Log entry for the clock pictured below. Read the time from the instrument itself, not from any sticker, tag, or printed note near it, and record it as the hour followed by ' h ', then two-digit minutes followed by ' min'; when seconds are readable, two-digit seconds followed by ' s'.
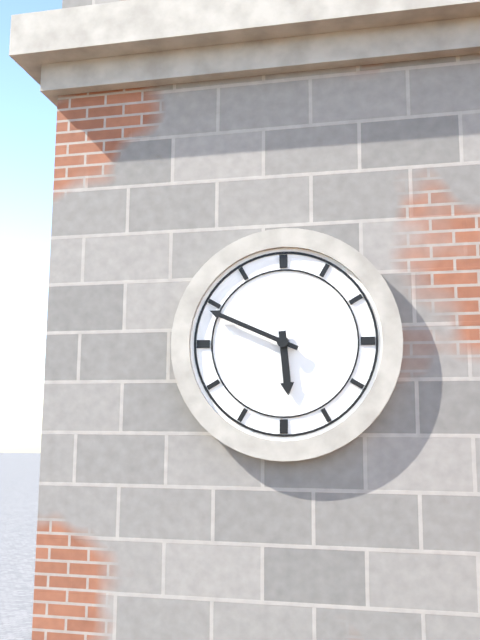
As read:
5 h 49 min
